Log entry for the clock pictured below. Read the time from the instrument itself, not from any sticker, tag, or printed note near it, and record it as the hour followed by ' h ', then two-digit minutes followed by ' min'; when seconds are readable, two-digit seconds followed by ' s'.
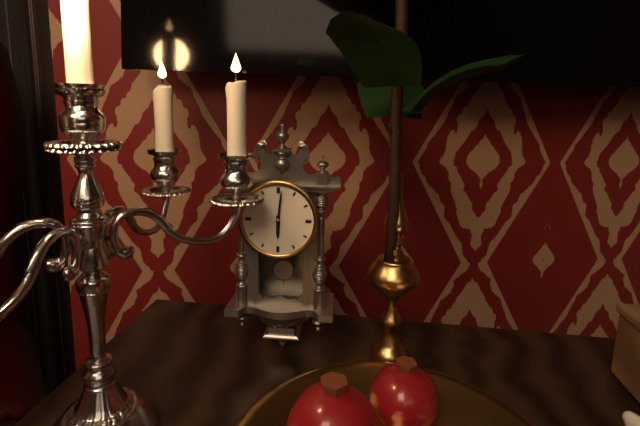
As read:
6 h 01 min
